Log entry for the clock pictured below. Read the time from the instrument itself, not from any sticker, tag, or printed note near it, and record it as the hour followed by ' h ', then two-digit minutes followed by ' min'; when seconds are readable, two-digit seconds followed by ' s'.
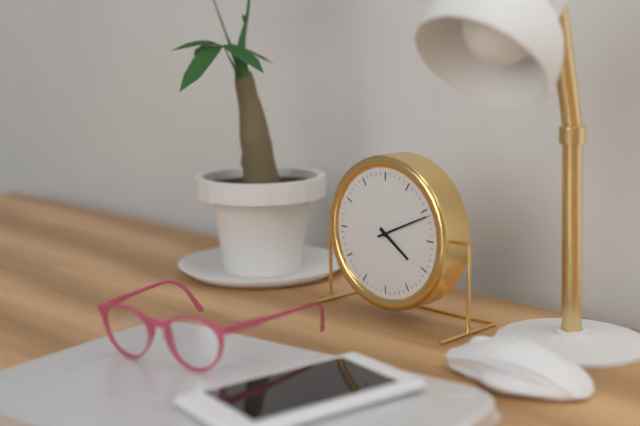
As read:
4 h 11 min
